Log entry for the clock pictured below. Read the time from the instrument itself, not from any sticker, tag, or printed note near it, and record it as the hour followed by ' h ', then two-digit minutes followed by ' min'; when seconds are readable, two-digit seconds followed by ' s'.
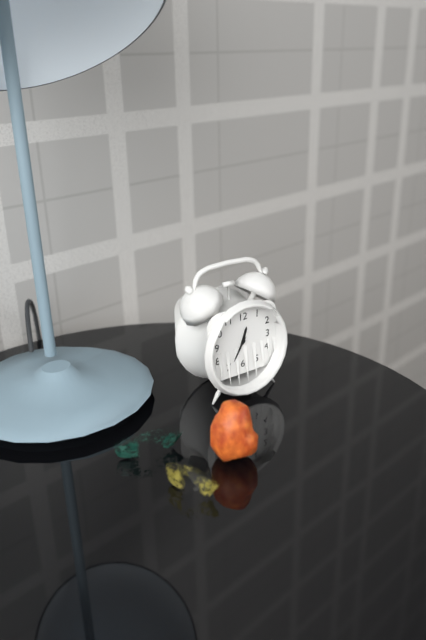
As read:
12 h 35 min
